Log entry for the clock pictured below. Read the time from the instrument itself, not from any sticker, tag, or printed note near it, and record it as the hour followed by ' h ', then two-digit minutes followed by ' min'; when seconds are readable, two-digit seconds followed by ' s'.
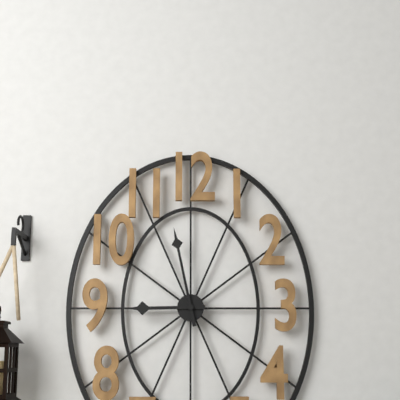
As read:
8 h 58 min
